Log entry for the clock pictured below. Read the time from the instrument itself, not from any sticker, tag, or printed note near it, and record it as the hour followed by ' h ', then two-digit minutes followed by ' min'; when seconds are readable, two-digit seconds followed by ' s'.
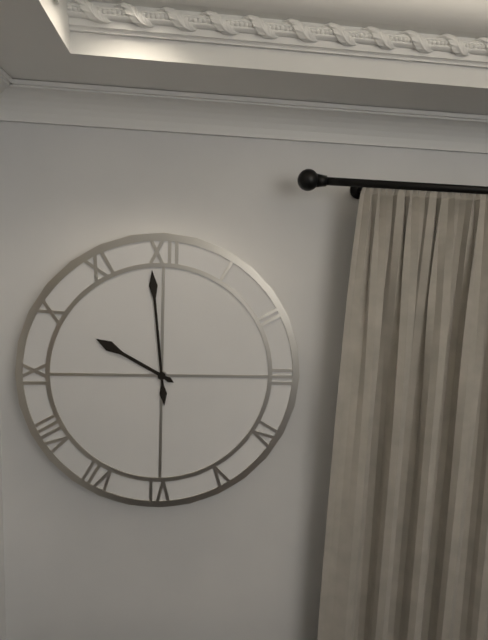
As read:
9 h 59 min
